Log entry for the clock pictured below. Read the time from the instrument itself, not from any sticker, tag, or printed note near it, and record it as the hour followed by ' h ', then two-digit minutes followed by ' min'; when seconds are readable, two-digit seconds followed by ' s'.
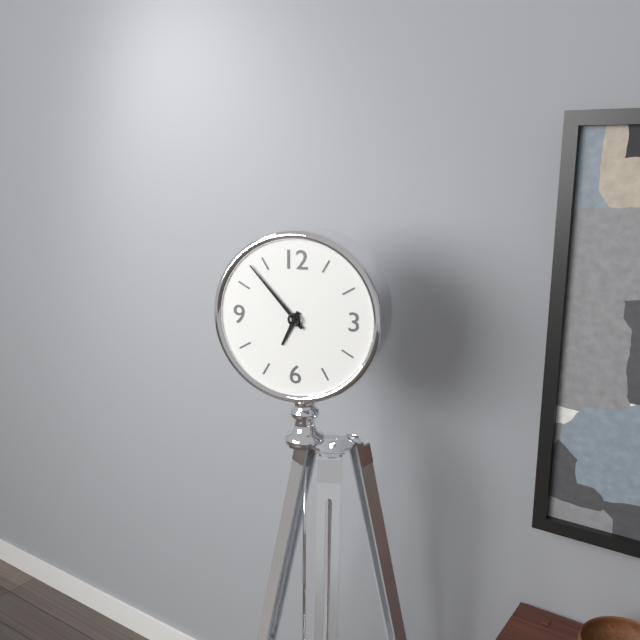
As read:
6 h 53 min
